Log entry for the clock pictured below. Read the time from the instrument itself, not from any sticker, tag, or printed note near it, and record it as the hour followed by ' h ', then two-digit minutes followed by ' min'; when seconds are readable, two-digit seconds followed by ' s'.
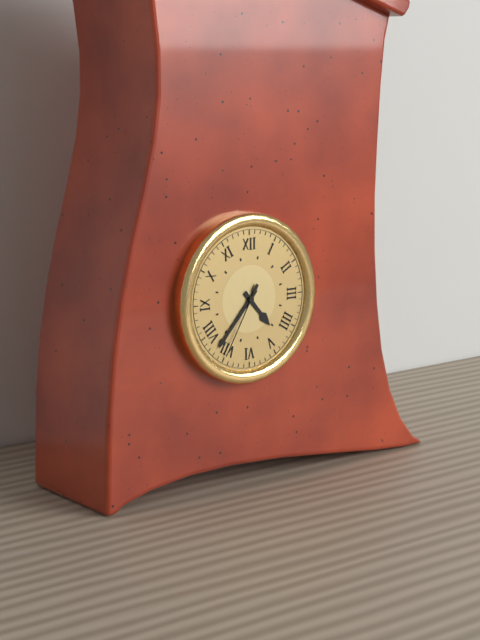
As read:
4 h 37 min 35 s
